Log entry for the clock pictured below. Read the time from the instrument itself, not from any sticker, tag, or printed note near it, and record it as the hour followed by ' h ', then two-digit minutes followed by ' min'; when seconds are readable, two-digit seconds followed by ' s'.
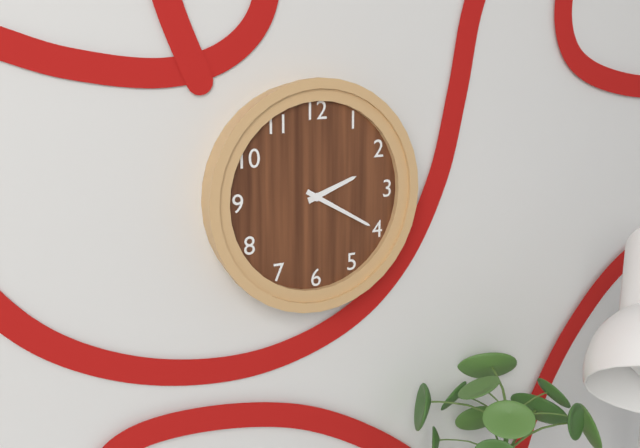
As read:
2 h 20 min
